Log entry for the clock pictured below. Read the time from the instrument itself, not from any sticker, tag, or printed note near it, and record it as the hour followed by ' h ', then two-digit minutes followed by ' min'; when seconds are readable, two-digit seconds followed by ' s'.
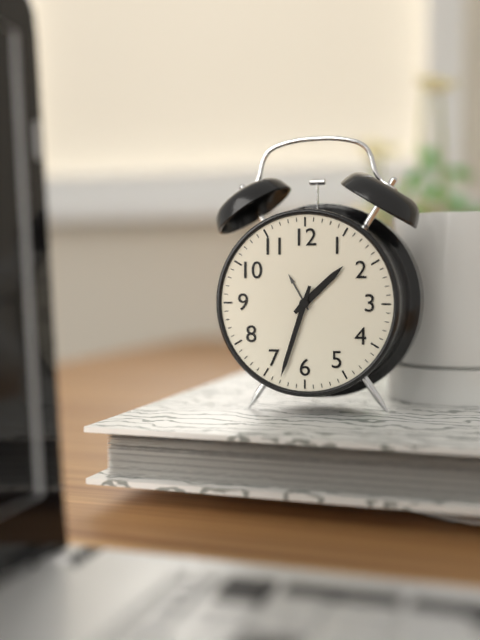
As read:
1 h 33 min
